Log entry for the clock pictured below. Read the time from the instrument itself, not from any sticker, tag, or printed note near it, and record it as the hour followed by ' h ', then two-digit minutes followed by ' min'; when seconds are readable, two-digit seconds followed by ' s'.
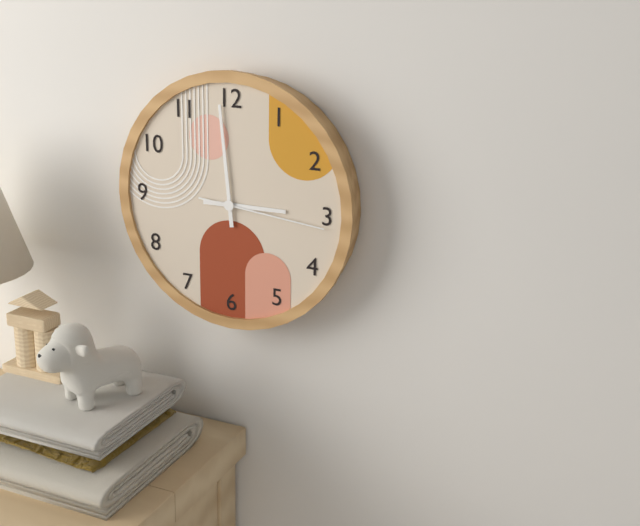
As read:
2 h 59 min 16 s
